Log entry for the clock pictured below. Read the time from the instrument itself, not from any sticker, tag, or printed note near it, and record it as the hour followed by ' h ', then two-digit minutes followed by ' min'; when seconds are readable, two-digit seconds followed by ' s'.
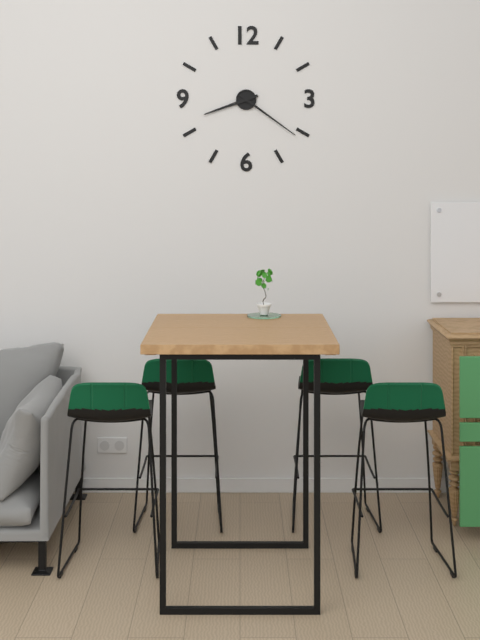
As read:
8 h 21 min
